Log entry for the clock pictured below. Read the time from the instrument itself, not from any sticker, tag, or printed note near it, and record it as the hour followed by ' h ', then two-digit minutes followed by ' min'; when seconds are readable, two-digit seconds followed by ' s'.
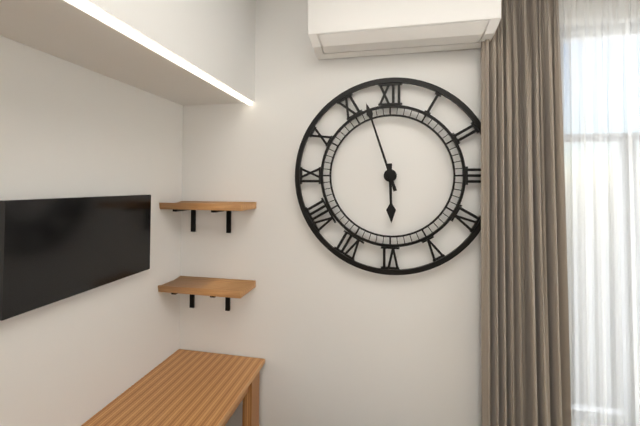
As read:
5 h 57 min
